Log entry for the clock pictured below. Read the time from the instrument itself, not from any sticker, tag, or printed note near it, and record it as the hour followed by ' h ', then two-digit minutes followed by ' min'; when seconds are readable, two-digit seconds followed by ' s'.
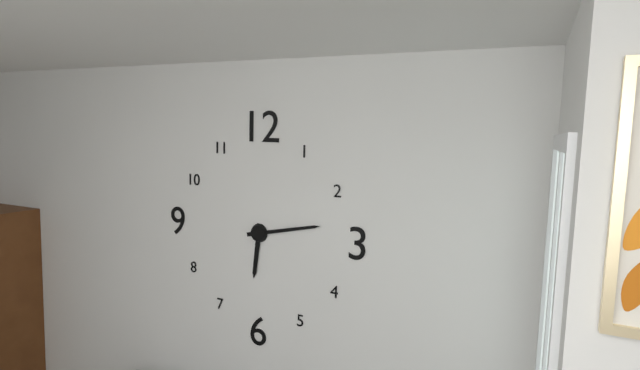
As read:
6 h 13 min
